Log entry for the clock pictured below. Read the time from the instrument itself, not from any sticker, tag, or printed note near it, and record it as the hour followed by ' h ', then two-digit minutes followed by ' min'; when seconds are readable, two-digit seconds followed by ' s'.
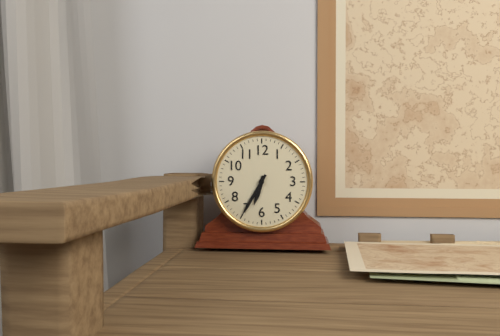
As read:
6 h 35 min
